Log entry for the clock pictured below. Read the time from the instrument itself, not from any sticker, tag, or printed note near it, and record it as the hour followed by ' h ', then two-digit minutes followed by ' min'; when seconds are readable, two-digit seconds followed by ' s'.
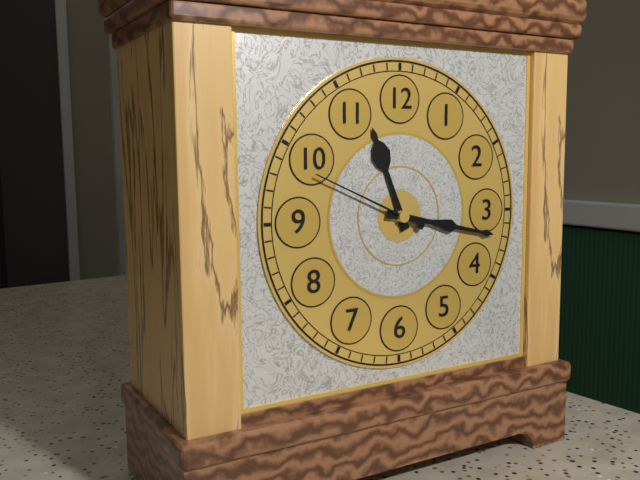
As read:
11 h 17 min 49 s
